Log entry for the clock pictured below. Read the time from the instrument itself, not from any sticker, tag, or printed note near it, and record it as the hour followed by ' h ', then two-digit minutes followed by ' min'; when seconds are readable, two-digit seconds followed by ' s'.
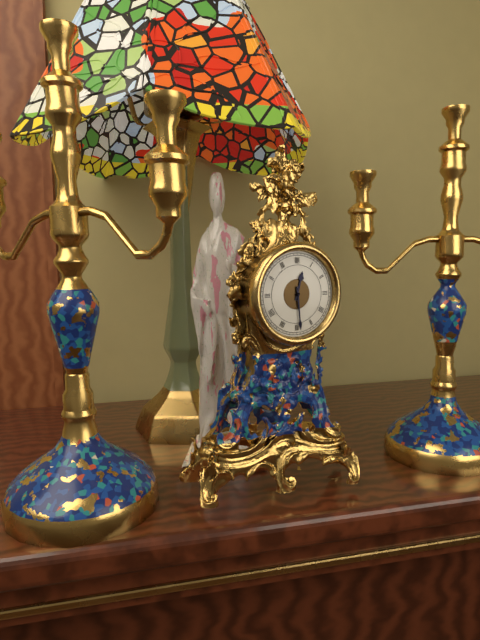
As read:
12 h 29 min
